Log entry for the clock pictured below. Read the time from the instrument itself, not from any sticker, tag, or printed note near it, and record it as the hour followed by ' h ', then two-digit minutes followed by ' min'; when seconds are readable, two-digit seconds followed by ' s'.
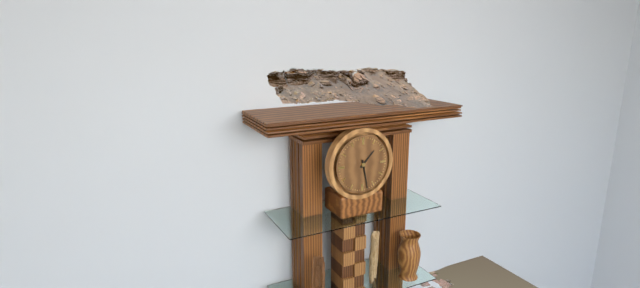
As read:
1 h 28 min
